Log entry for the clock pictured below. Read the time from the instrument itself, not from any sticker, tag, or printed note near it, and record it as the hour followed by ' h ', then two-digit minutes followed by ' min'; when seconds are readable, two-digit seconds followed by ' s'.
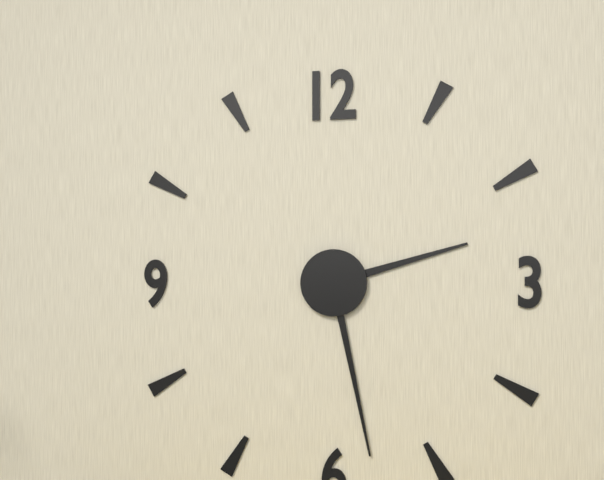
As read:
2 h 28 min
